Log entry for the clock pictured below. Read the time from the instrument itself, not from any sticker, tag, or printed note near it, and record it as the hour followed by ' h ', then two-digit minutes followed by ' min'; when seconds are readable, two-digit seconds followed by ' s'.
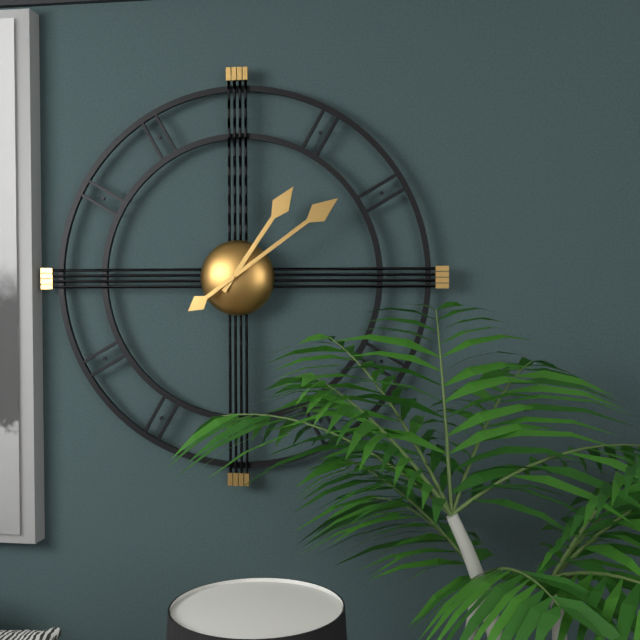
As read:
1 h 09 min
